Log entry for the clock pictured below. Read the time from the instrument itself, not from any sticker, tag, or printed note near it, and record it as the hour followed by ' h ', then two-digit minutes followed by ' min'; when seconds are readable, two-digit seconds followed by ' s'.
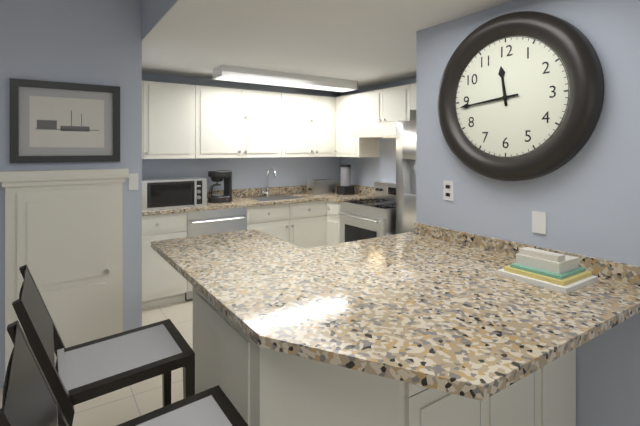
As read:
11 h 44 min
